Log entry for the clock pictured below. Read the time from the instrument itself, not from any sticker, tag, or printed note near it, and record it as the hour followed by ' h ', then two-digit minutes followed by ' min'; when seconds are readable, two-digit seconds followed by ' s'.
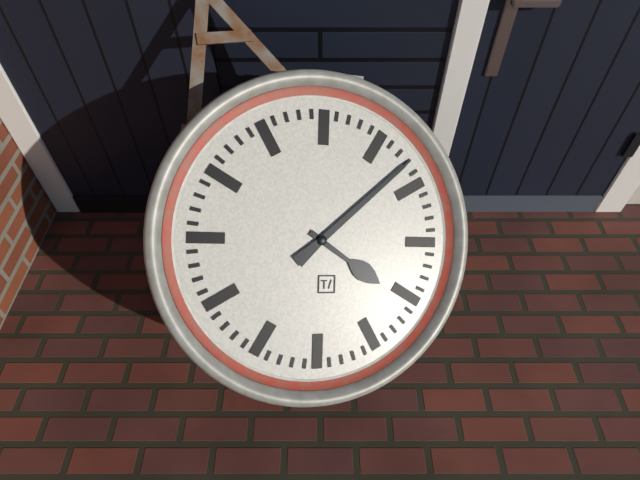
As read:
4 h 08 min
